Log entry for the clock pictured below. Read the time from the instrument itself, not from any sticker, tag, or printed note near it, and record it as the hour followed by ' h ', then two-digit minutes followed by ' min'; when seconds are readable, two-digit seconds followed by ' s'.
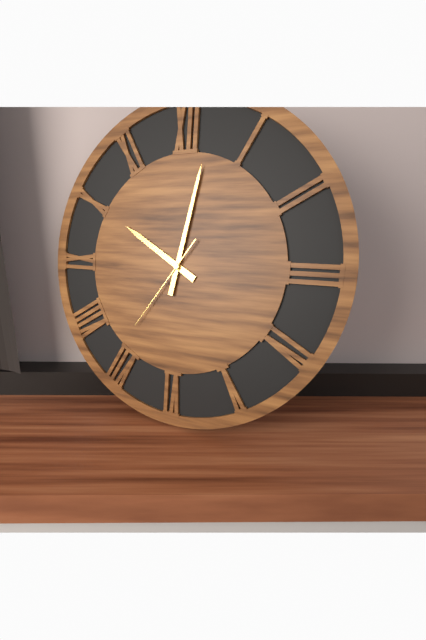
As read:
10 h 02 min 36 s
